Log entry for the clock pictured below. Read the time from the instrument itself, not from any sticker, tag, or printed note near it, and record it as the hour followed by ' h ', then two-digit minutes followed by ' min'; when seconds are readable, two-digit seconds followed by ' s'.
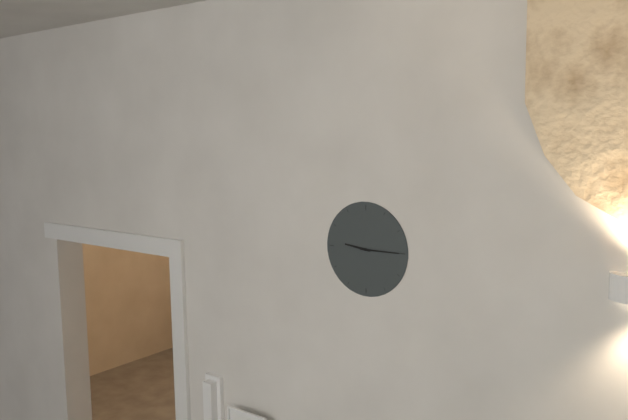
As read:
9 h 15 min
